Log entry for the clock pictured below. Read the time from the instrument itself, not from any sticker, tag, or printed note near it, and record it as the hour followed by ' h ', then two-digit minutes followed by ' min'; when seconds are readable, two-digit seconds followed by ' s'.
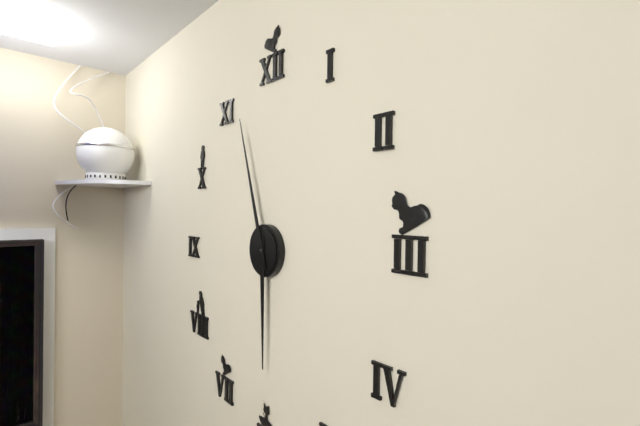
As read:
5 h 57 min
